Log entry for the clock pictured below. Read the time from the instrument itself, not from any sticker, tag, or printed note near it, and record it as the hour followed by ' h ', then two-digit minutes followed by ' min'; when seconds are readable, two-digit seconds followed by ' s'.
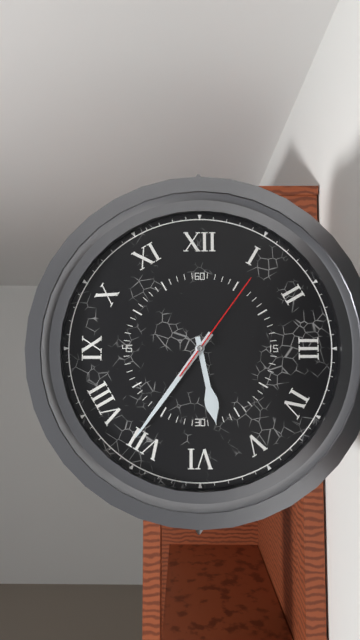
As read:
5 h 36 min 06 s
